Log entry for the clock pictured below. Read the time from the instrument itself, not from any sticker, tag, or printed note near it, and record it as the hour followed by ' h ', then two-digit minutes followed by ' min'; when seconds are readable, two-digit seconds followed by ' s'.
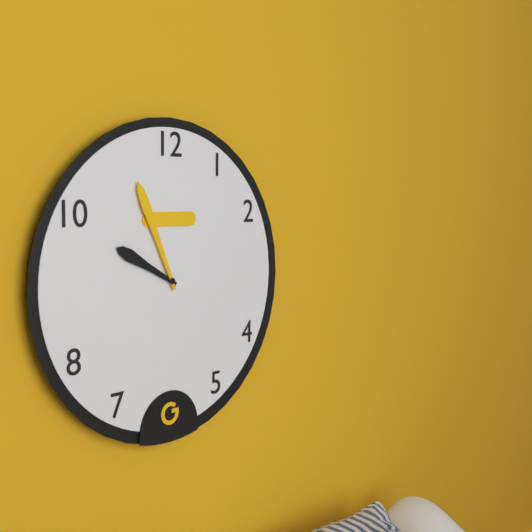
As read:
9 h 56 min
